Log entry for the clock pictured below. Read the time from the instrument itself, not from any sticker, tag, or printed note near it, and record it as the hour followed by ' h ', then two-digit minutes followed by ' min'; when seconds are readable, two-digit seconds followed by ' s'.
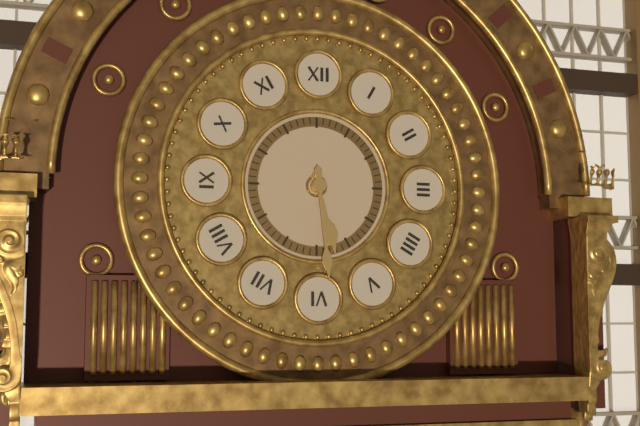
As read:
5 h 29 min
